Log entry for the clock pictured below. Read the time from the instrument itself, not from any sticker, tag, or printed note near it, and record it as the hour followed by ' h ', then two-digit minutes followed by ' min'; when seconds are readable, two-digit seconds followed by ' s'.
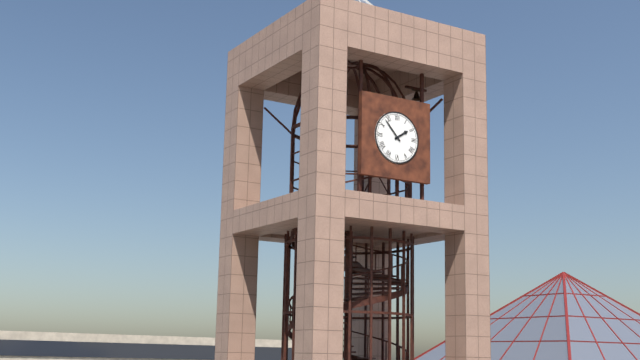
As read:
1 h 53 min
